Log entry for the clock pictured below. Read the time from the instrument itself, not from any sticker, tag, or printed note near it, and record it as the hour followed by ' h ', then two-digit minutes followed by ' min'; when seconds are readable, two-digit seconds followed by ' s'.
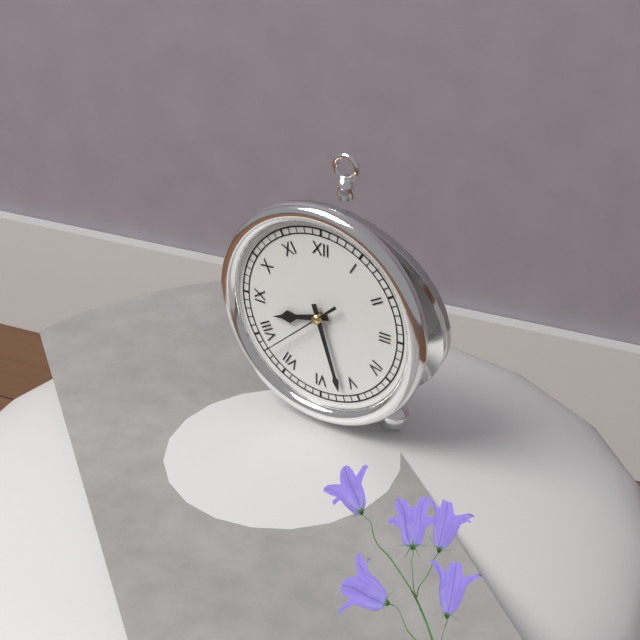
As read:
8 h 27 min 38 s
